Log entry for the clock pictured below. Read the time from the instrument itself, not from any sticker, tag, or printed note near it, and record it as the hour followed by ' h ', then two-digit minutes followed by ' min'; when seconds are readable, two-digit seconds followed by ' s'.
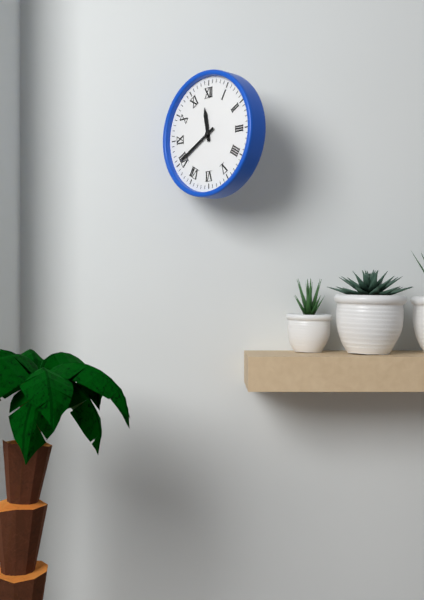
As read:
11 h 40 min
